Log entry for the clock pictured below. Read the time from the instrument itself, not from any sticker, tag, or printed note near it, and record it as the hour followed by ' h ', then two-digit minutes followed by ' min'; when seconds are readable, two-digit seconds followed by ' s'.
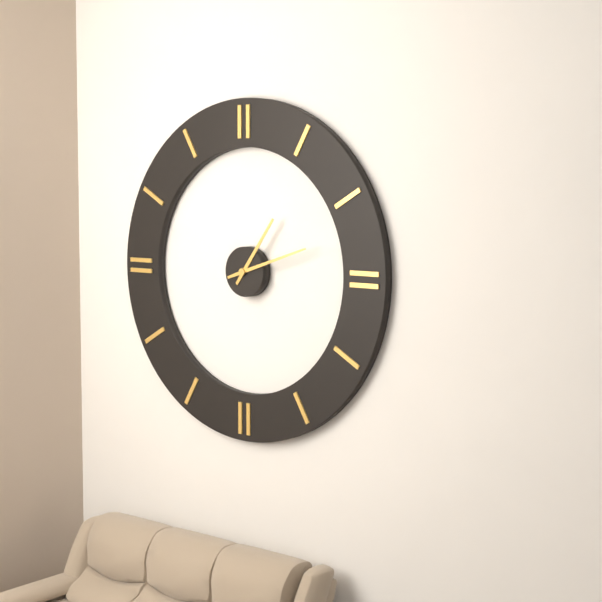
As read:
1 h 12 min
